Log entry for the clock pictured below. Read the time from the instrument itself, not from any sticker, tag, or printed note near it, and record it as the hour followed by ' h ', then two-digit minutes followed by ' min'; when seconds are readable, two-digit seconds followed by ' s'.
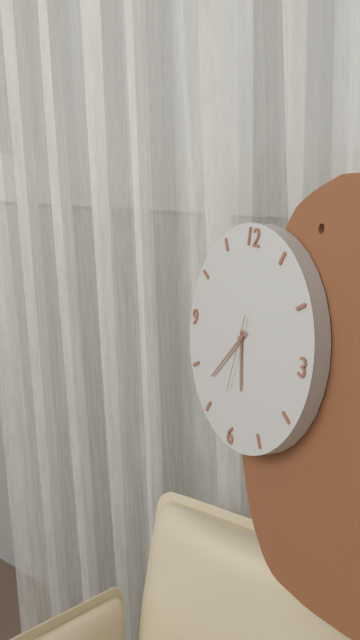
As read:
5 h 37 min 32 s
